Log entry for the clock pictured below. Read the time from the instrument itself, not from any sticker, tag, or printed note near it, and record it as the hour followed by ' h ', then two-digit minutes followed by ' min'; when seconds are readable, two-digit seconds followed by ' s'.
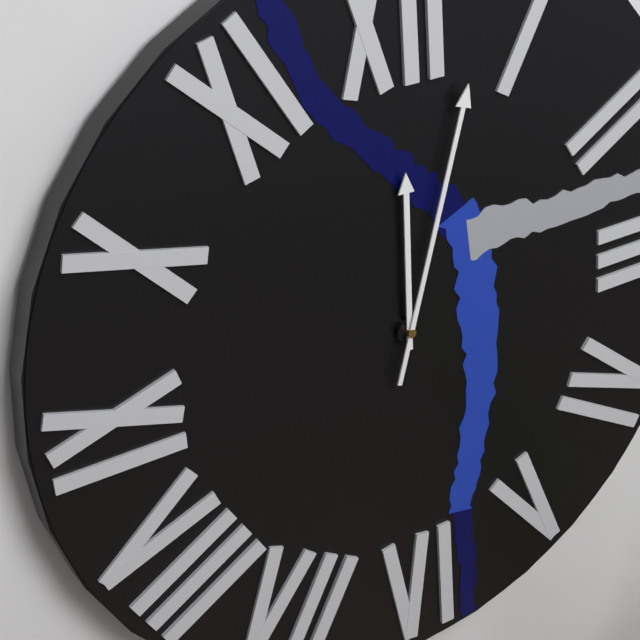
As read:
12 h 03 min
